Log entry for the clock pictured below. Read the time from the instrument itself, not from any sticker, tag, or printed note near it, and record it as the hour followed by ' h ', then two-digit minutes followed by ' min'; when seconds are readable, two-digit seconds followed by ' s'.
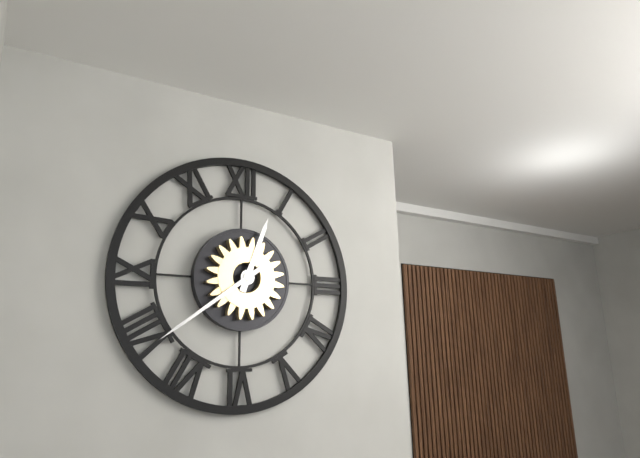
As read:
12 h 39 min
